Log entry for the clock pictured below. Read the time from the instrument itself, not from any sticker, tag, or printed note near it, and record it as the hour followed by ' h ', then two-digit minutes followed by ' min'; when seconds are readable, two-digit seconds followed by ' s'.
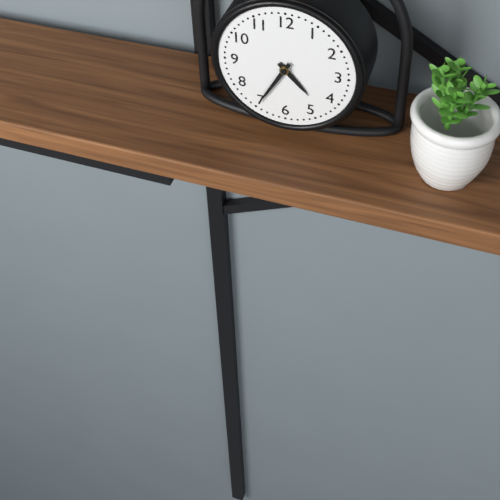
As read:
4 h 35 min
